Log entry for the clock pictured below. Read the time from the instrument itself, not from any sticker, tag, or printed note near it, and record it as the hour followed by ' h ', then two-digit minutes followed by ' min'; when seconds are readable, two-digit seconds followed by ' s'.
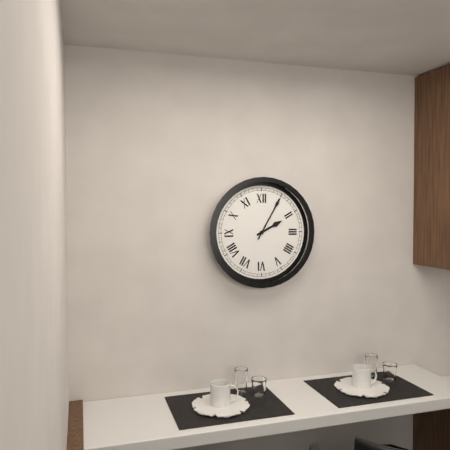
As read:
2 h 05 min
